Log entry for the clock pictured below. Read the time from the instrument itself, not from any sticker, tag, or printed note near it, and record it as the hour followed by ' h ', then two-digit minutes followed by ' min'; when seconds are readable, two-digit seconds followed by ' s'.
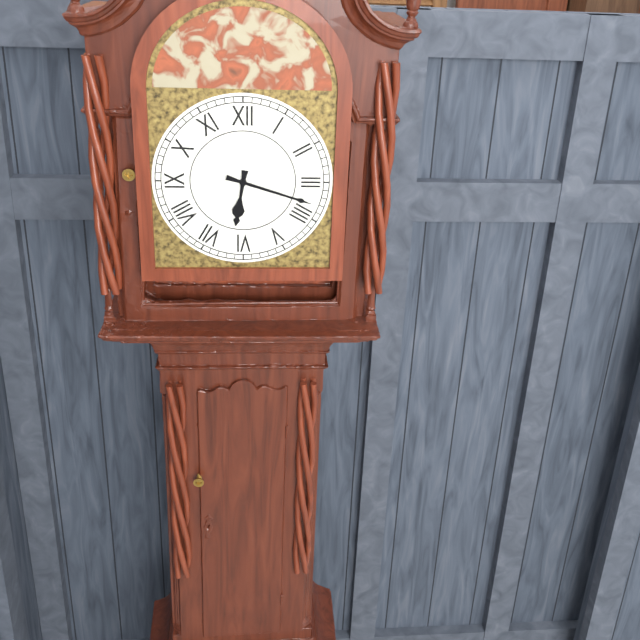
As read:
6 h 18 min
